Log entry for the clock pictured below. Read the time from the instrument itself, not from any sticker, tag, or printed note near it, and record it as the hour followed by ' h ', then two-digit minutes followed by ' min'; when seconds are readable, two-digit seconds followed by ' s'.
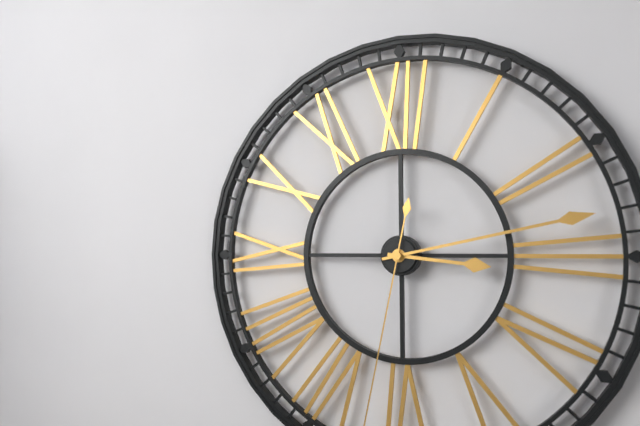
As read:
3 h 13 min
